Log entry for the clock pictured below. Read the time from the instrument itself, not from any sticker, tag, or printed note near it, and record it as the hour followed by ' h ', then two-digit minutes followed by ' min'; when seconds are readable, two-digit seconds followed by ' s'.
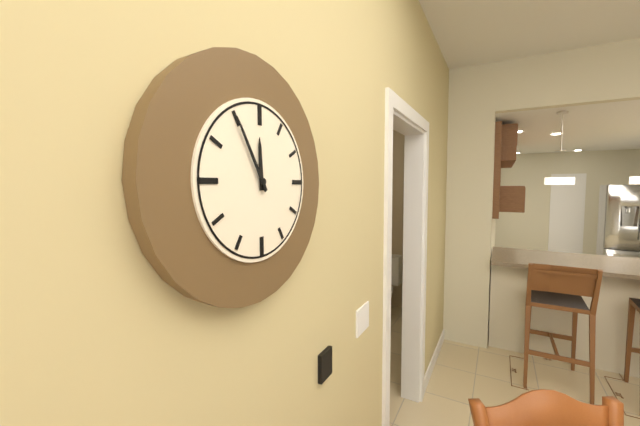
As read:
11 h 55 min
